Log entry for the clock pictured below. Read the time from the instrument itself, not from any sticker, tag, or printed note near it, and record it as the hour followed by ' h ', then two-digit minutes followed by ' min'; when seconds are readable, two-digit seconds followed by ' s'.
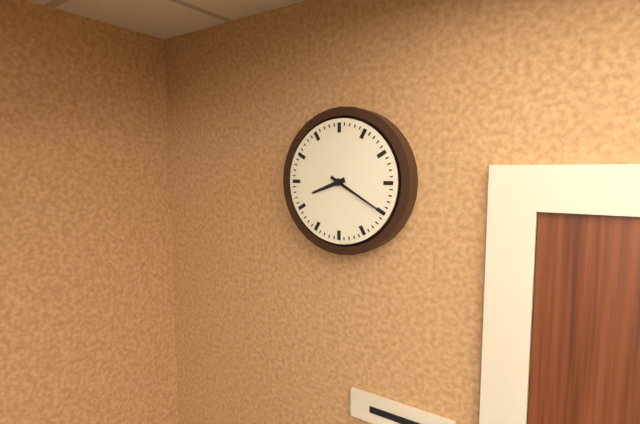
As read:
8 h 20 min
